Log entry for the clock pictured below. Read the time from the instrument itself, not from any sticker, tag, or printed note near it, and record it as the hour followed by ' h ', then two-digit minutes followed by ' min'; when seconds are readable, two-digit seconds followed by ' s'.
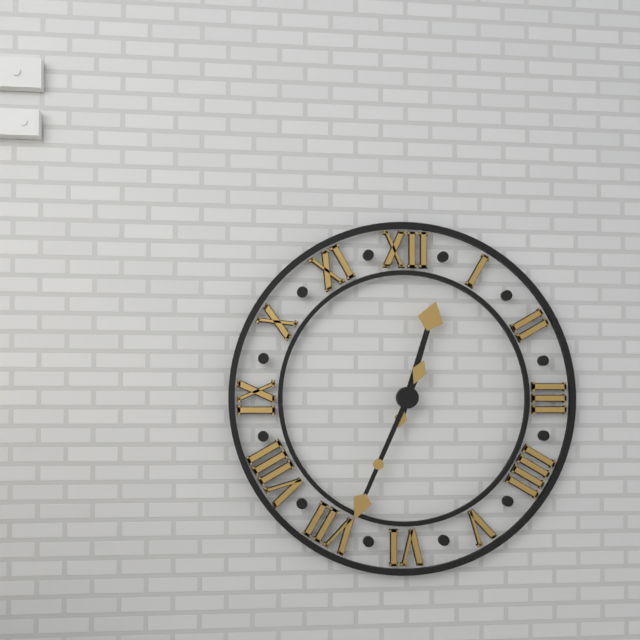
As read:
12 h 34 min
